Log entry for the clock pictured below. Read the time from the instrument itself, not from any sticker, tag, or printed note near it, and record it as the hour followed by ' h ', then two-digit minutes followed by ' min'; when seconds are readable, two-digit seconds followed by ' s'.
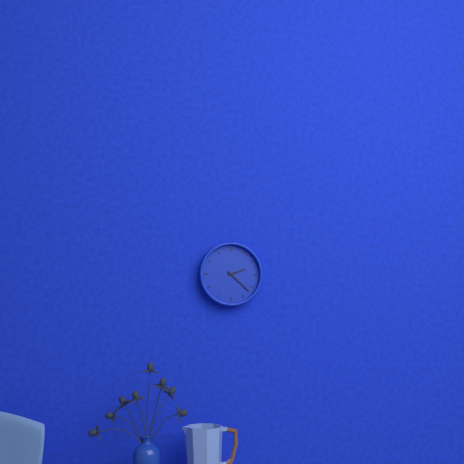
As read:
2 h 22 min
